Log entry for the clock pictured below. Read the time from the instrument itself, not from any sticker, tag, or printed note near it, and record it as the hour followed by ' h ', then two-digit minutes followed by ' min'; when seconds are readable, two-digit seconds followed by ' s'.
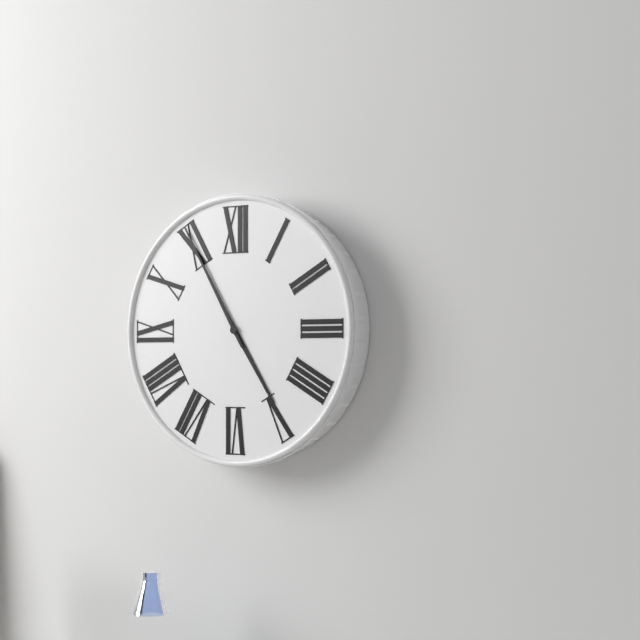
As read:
4 h 55 min
